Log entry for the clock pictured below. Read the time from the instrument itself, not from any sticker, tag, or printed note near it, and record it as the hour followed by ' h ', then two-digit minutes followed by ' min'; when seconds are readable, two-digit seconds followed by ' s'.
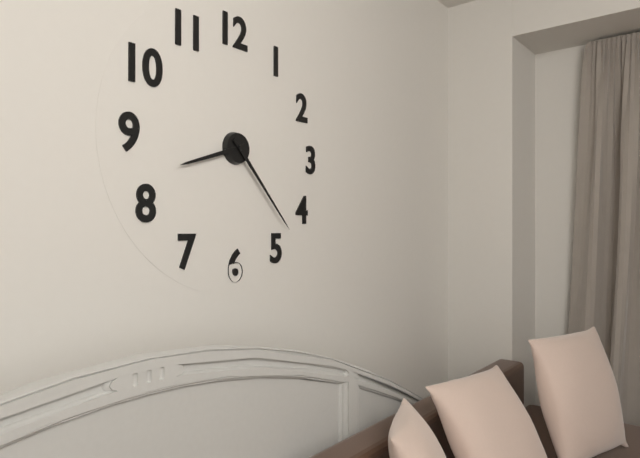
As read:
8 h 23 min
